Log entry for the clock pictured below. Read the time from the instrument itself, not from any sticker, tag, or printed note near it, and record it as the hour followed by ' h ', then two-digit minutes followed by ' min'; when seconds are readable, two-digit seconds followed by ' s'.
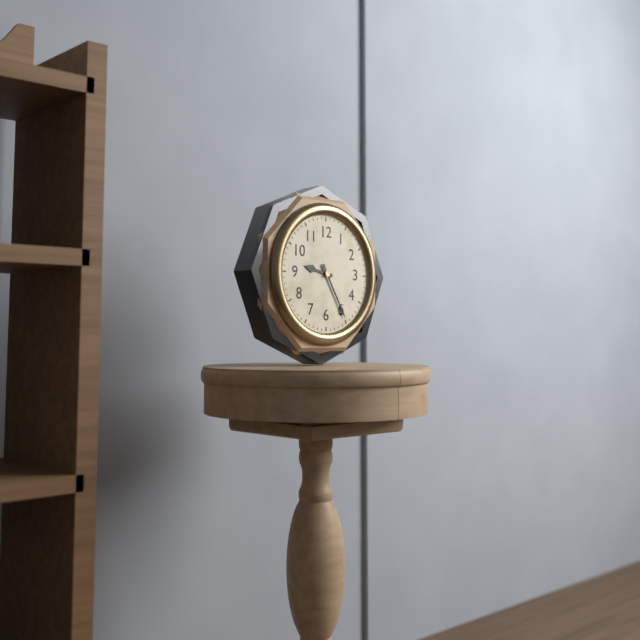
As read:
9 h 25 min
